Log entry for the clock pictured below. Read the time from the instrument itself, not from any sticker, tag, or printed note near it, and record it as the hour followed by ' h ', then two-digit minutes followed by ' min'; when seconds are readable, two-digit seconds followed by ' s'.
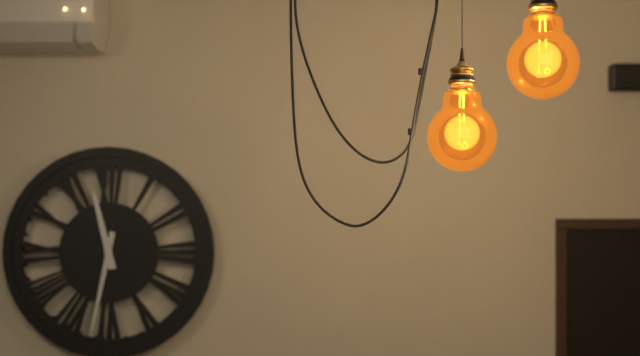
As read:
11 h 32 min
